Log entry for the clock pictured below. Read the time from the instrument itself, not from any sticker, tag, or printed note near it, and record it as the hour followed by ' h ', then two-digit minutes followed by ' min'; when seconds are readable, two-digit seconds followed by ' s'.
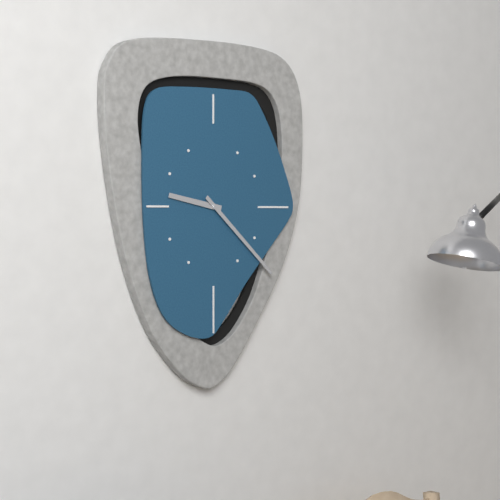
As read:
9 h 22 min
